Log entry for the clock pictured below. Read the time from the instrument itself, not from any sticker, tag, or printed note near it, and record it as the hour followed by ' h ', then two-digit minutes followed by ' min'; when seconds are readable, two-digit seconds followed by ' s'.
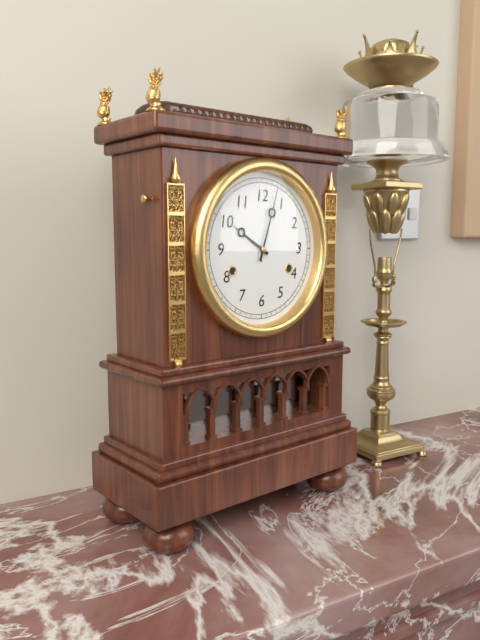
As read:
10 h 03 min
